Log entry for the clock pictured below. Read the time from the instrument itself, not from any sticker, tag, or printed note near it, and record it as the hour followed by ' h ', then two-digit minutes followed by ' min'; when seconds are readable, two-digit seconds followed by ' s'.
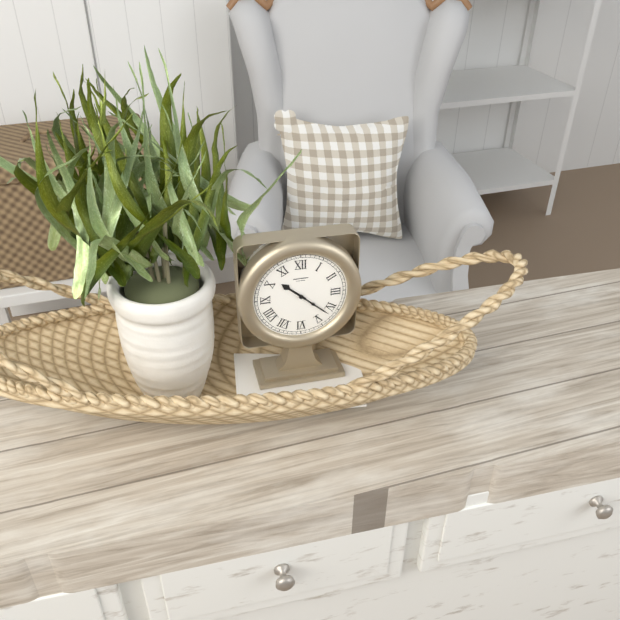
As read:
10 h 22 min
